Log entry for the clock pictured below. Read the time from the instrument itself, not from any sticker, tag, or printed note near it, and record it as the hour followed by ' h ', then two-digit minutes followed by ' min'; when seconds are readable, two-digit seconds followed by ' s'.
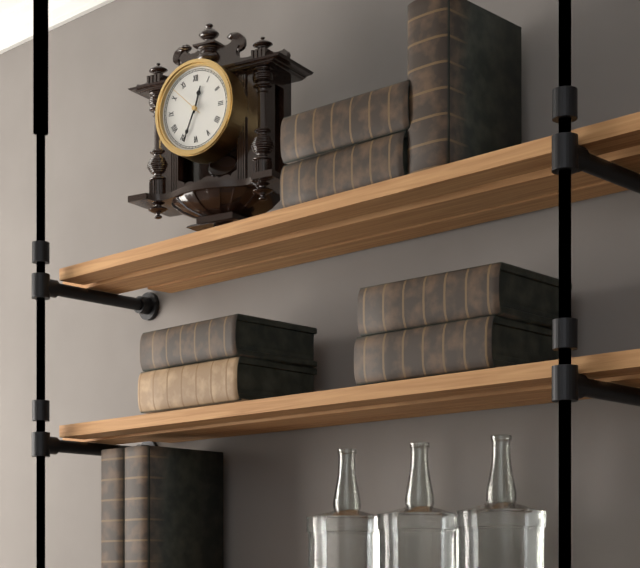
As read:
12 h 34 min
